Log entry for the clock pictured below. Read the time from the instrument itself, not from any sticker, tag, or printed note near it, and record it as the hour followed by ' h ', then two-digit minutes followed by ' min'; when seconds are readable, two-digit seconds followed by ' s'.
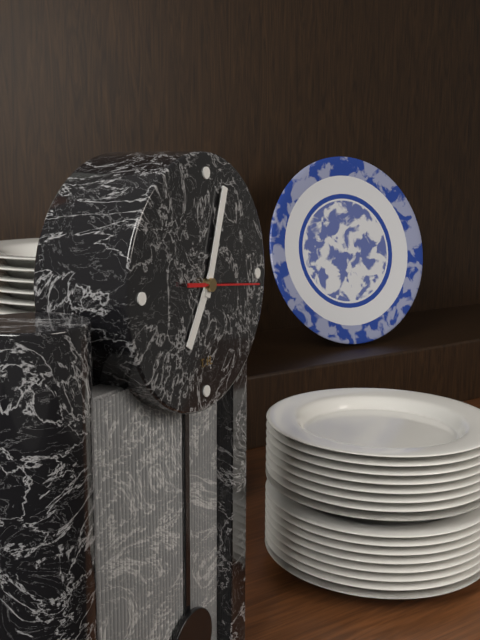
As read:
7 h 03 min 16 s
